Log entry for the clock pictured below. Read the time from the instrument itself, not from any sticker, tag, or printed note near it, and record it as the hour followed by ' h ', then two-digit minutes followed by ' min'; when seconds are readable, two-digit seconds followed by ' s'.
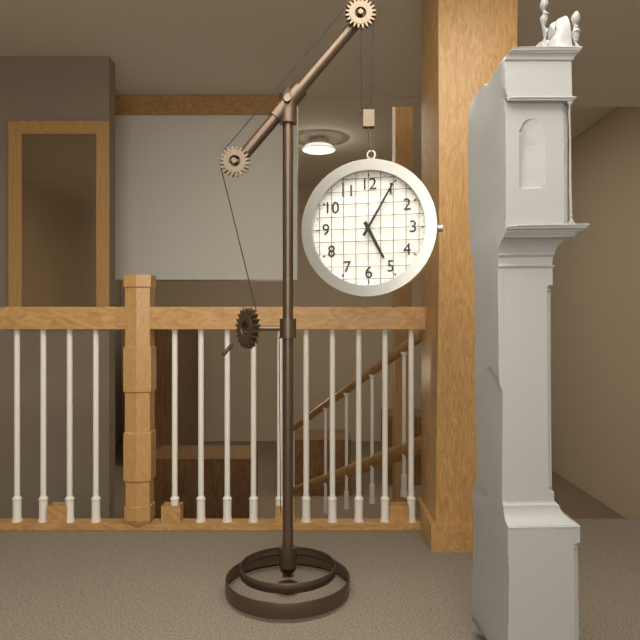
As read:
5 h 05 min
